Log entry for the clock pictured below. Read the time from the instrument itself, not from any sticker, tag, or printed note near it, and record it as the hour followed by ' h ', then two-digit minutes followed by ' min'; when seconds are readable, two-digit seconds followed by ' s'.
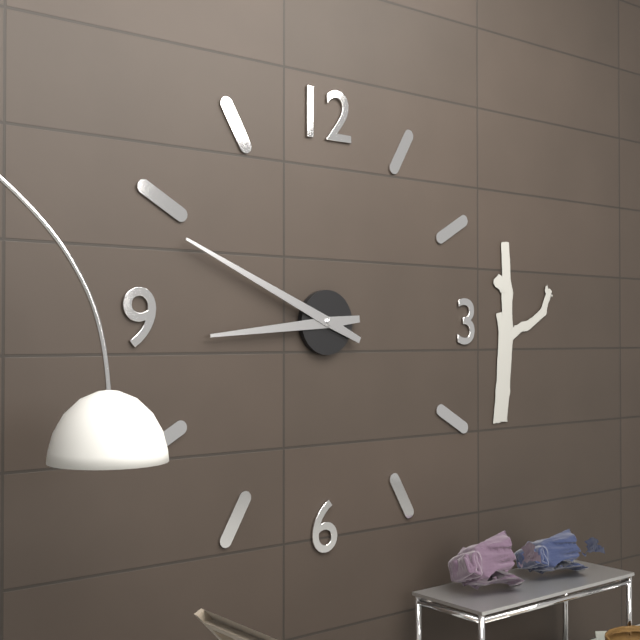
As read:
8 h 49 min
